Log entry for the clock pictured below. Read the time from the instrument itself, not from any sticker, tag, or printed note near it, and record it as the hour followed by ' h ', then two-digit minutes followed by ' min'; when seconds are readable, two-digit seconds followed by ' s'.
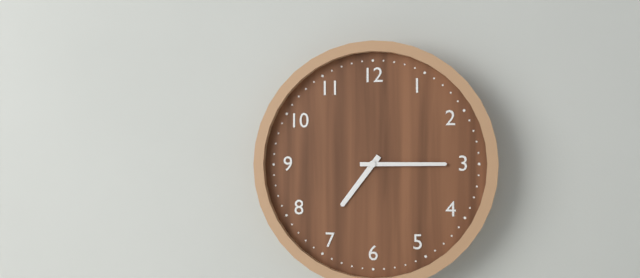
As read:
7 h 15 min
